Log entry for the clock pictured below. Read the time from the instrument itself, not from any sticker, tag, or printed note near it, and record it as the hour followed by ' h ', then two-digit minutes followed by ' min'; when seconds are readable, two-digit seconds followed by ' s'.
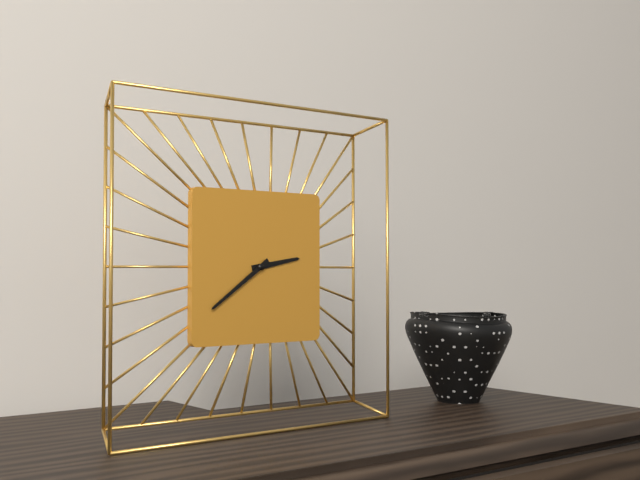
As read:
2 h 39 min
